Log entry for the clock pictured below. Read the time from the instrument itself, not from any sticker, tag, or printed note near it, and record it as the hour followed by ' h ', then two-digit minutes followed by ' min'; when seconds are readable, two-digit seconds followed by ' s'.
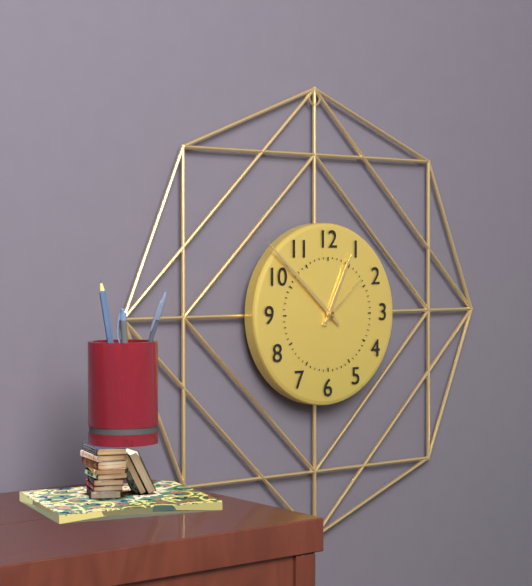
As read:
12 h 52 min 08 s
